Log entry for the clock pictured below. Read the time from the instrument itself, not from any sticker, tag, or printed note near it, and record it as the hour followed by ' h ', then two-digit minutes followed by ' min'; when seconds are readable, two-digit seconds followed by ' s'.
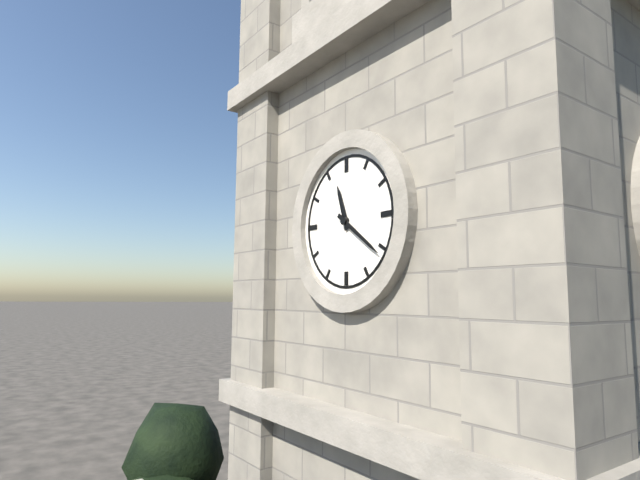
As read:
11 h 21 min
